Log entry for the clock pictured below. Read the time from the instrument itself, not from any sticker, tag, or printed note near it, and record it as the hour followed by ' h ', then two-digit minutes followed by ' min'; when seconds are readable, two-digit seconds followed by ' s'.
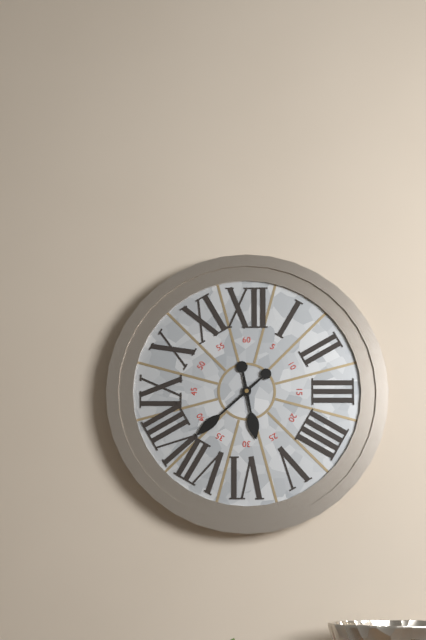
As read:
5 h 38 min
